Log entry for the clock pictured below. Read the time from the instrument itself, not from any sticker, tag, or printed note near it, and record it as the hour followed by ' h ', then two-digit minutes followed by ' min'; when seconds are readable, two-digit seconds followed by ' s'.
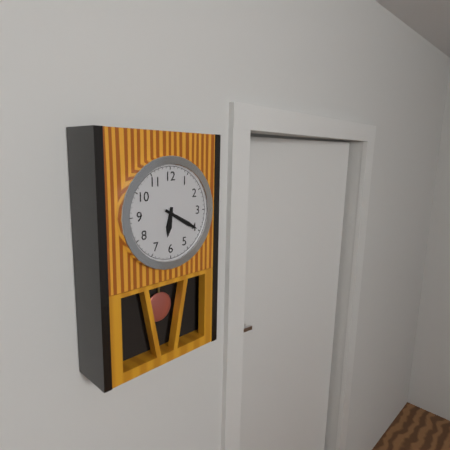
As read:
6 h 20 min
